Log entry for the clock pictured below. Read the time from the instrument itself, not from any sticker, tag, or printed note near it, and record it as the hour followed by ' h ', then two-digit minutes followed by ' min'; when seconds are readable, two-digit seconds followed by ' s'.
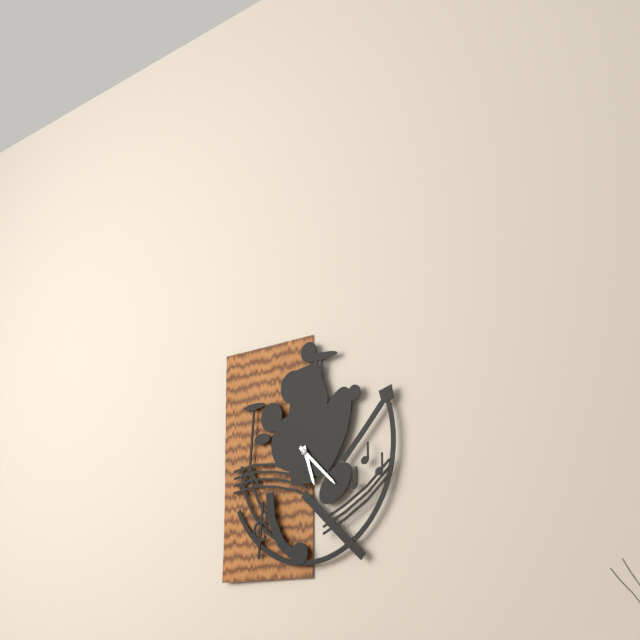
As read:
5 h 22 min
